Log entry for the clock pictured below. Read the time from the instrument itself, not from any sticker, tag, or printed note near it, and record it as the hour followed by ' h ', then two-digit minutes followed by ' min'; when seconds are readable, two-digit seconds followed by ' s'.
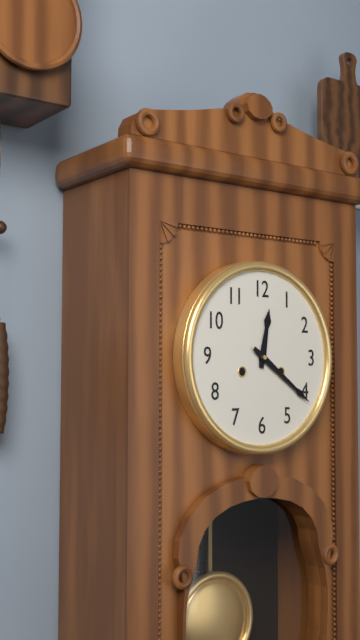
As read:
12 h 21 min
